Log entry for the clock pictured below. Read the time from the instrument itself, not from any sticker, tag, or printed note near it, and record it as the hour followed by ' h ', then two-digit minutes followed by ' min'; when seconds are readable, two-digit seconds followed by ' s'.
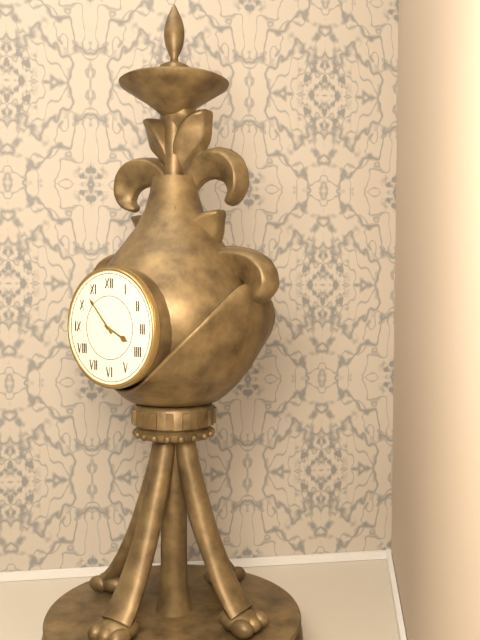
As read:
3 h 53 min
